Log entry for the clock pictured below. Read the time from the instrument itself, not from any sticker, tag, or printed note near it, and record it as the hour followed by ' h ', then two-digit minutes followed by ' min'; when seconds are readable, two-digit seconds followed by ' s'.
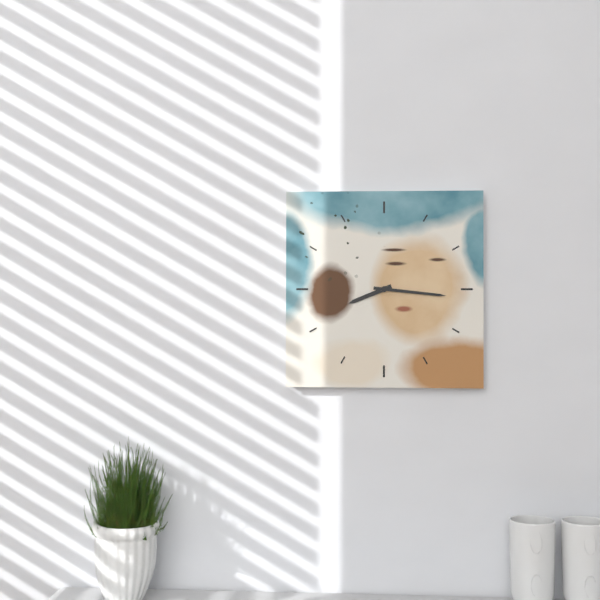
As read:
8 h 16 min
